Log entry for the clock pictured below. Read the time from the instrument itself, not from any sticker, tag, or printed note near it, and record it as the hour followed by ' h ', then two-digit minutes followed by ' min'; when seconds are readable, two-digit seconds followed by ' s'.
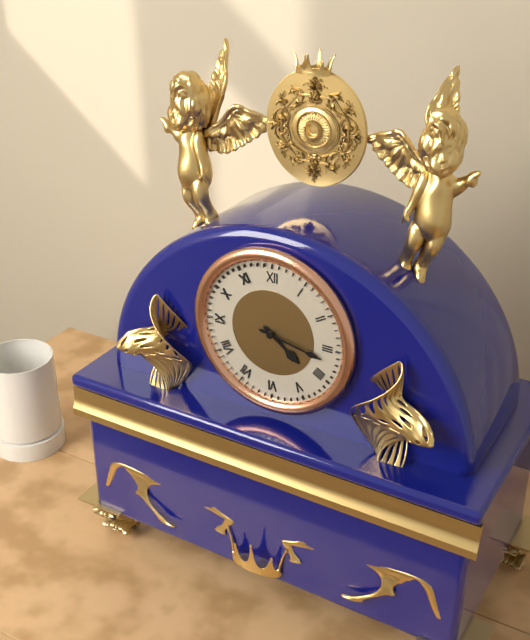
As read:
4 h 17 min
